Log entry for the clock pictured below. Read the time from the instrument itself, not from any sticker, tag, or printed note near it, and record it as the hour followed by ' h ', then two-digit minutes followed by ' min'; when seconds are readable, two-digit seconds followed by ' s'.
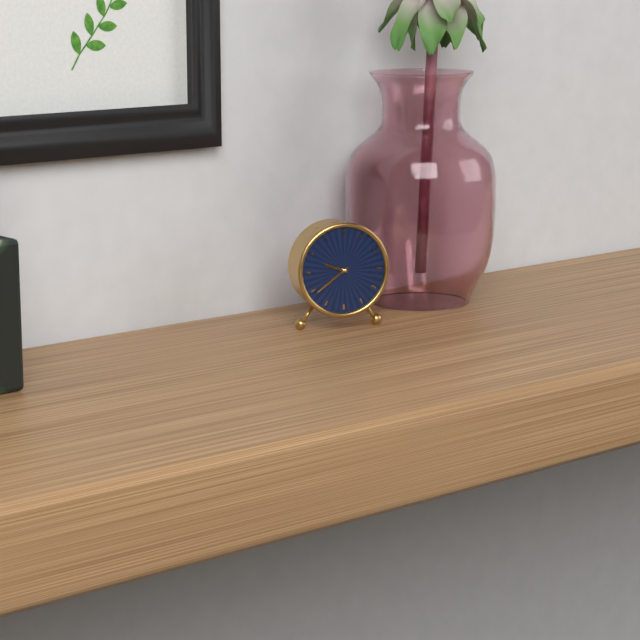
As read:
9 h 39 min
